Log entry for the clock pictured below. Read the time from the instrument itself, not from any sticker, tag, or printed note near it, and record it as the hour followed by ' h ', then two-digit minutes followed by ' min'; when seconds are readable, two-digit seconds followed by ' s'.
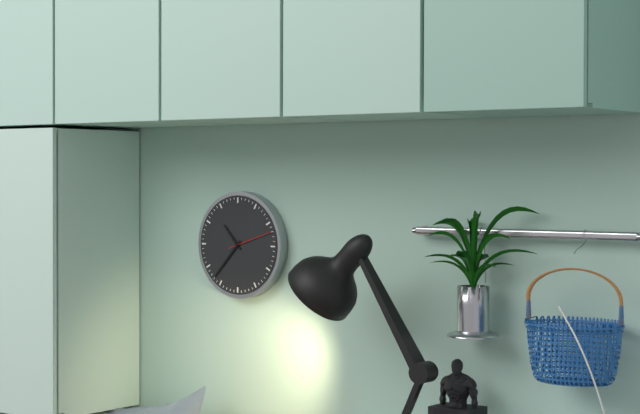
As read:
10 h 37 min
